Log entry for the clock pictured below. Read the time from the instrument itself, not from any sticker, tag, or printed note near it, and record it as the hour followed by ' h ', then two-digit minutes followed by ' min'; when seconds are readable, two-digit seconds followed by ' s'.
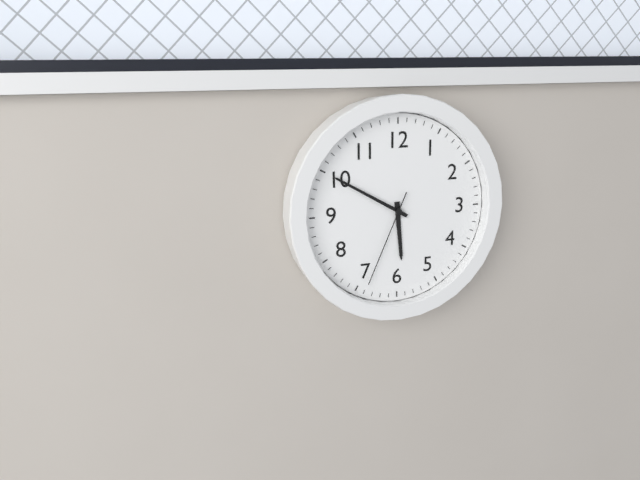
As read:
5 h 50 min 34 s
